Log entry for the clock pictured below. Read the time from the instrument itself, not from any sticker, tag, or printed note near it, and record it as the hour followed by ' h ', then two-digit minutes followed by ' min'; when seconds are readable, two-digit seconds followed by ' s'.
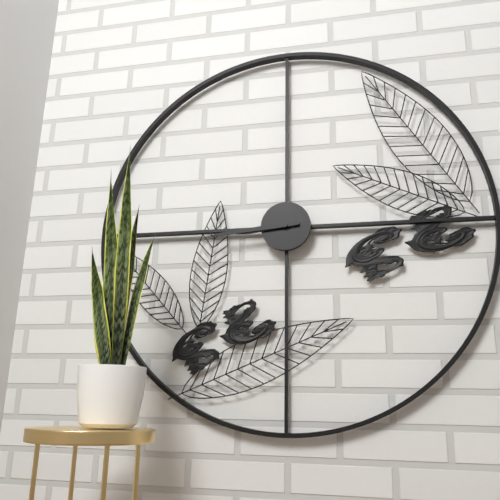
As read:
8 h 44 min
